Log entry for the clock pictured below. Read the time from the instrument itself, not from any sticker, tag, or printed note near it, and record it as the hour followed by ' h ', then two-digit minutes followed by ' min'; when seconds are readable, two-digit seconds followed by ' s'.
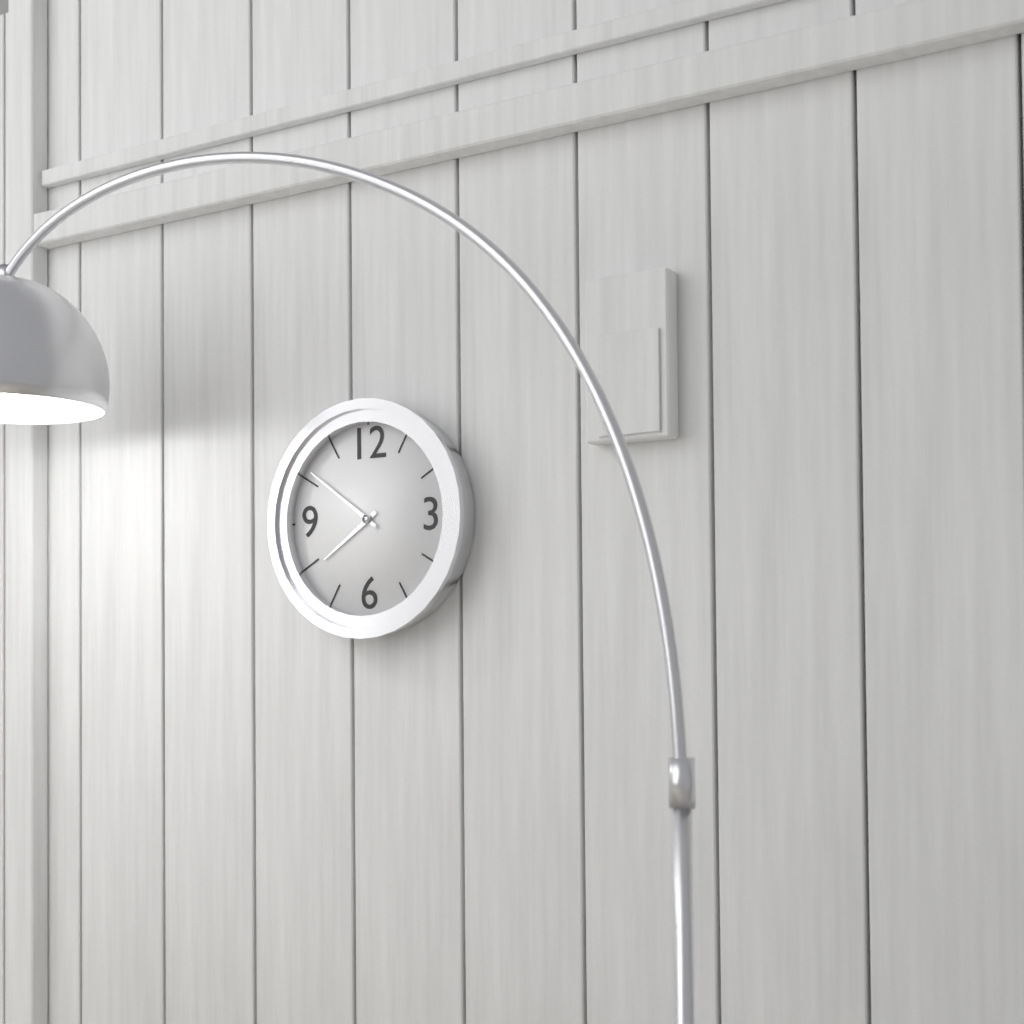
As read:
7 h 51 min
